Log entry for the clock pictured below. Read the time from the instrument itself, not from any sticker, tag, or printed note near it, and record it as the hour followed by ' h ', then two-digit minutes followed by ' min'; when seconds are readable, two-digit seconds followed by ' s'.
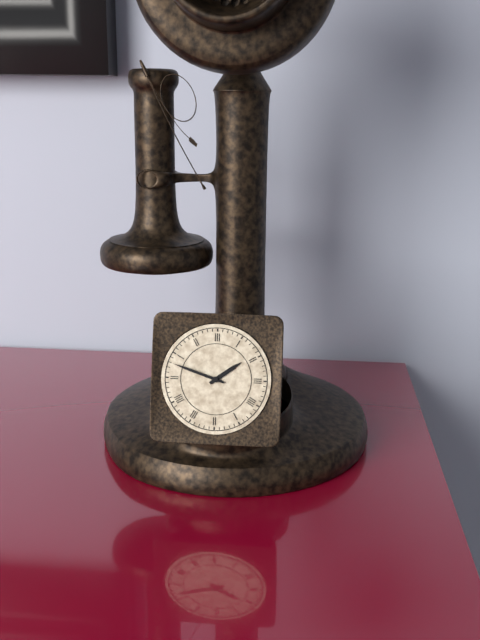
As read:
1 h 48 min
